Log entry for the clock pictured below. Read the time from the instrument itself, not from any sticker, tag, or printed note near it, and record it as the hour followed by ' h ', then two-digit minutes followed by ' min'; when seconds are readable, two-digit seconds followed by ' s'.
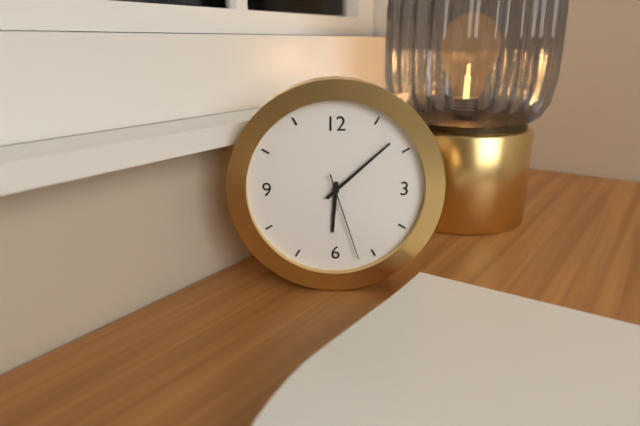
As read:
6 h 08 min 27 s
